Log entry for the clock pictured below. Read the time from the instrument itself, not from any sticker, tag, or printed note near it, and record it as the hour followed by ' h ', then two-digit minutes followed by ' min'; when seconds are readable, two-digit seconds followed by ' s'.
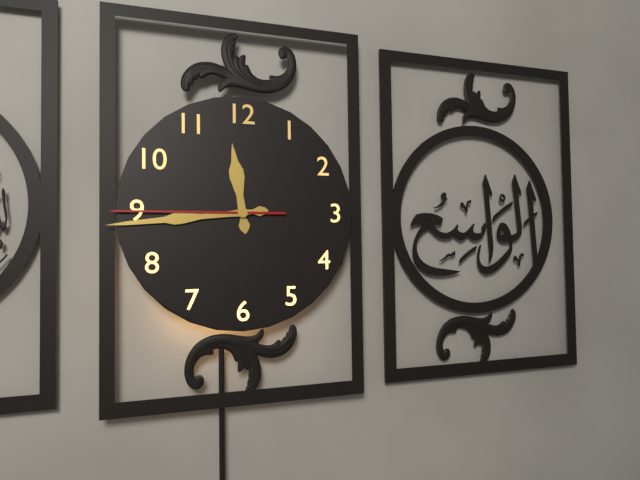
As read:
11 h 44 min 45 s
